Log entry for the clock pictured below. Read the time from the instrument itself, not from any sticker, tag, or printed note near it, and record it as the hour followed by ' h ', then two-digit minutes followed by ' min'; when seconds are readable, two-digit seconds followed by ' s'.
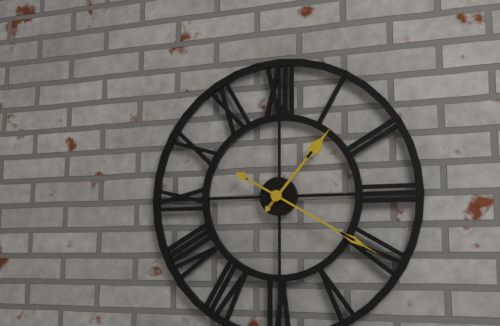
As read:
1 h 20 min
